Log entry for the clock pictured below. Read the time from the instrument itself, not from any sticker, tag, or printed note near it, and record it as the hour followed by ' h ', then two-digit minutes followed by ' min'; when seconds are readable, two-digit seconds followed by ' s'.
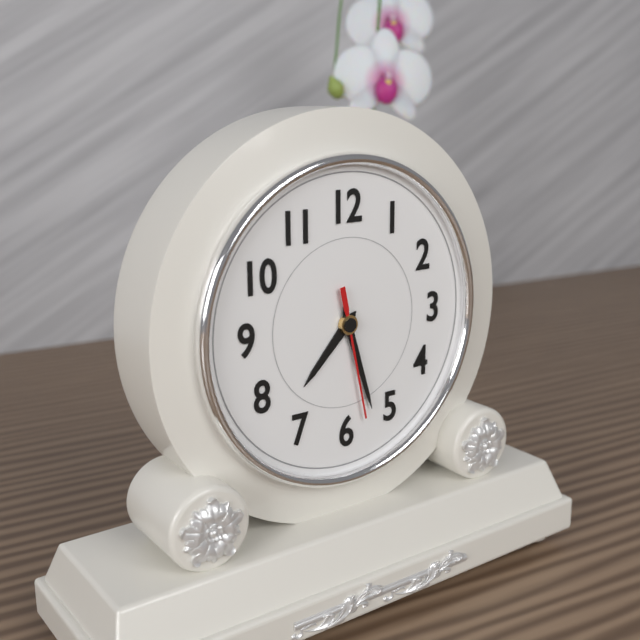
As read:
7 h 27 min 28 s
